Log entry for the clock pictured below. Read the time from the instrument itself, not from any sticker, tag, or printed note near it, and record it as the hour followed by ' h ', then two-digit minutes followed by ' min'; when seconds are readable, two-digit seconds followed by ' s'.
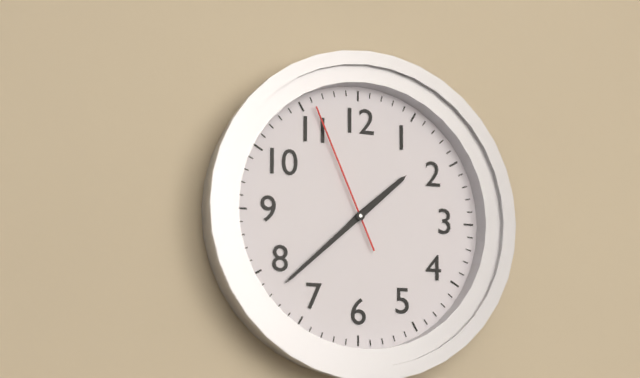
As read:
1 h 38 min 56 s
